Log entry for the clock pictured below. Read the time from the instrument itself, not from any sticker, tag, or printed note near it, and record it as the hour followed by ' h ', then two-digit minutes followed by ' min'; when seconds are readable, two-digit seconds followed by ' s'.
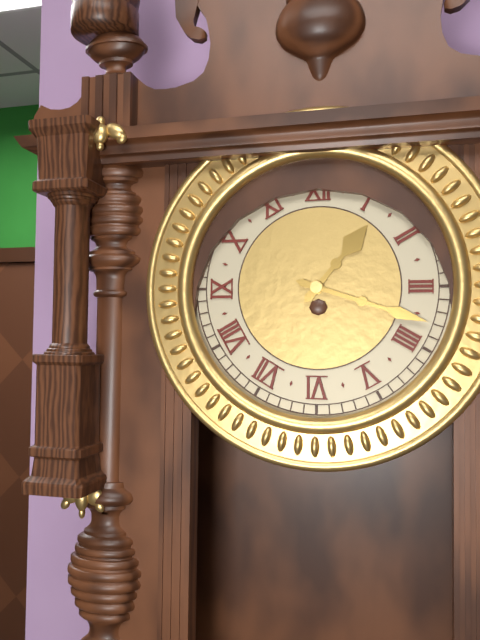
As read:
1 h 18 min
